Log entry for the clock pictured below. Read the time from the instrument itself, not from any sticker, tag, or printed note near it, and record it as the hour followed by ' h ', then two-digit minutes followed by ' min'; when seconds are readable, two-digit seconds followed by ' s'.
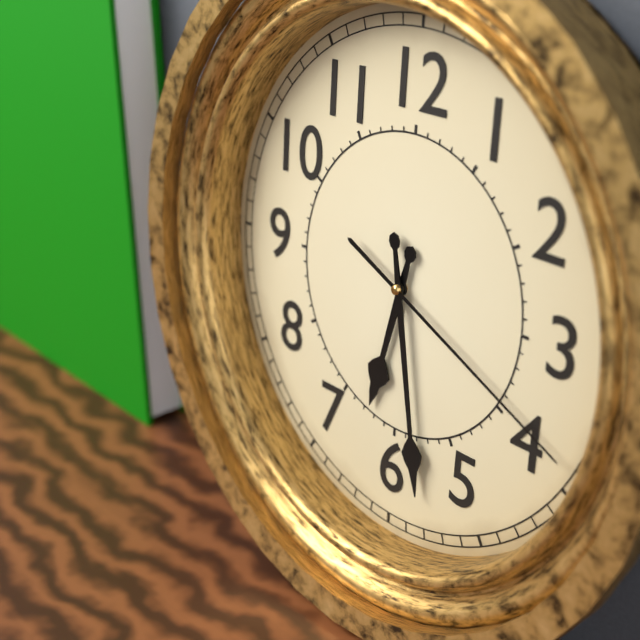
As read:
6 h 28 min 19 s
